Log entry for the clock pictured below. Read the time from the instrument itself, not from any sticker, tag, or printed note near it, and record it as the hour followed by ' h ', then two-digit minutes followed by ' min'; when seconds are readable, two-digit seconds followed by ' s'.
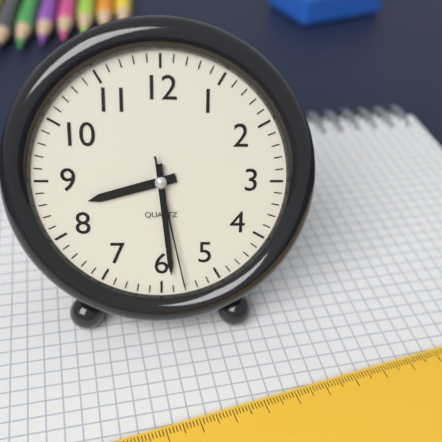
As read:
8 h 29 min 28 s
